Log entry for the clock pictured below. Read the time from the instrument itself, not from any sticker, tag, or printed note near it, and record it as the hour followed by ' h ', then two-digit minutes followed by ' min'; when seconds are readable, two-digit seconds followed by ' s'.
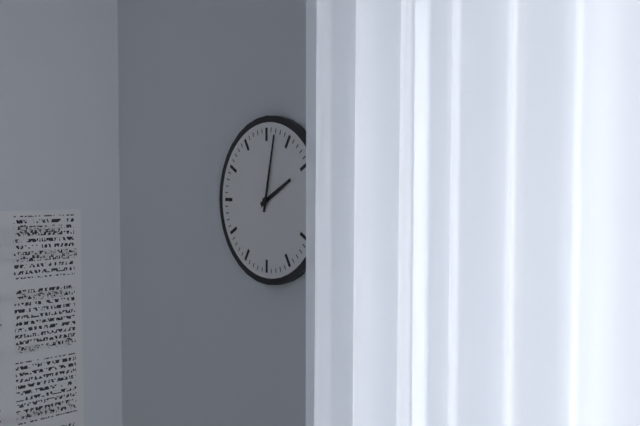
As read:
2 h 02 min
